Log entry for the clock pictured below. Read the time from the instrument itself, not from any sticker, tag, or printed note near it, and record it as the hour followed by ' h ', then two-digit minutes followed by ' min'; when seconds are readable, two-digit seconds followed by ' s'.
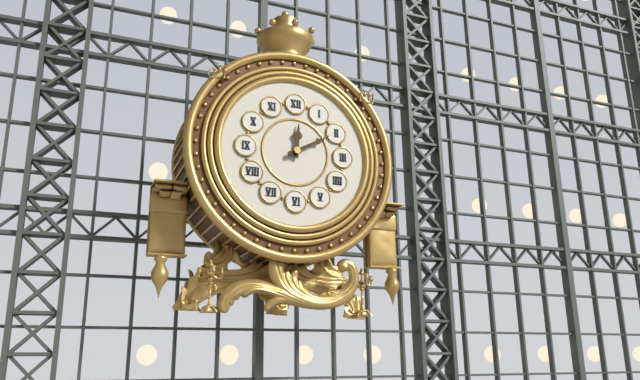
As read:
12 h 10 min
